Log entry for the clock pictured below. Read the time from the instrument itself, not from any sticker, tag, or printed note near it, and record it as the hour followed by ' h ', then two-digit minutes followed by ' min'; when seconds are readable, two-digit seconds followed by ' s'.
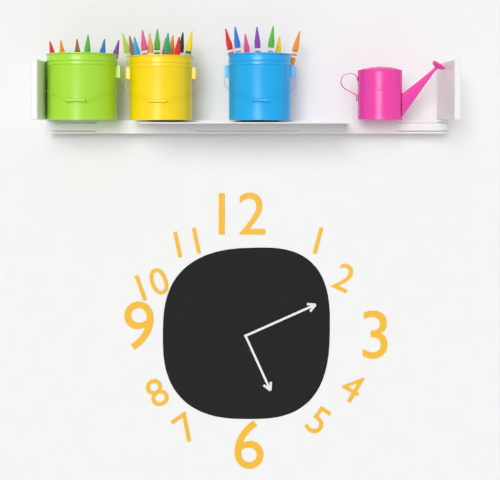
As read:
5 h 11 min
